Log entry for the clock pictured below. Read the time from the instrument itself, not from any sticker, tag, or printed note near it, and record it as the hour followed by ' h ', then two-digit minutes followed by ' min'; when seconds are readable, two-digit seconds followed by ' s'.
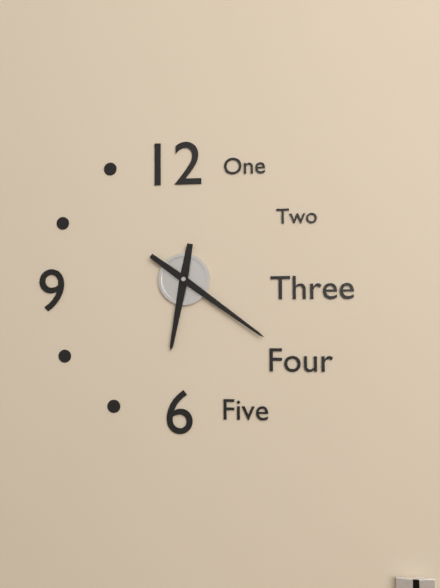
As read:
6 h 21 min
